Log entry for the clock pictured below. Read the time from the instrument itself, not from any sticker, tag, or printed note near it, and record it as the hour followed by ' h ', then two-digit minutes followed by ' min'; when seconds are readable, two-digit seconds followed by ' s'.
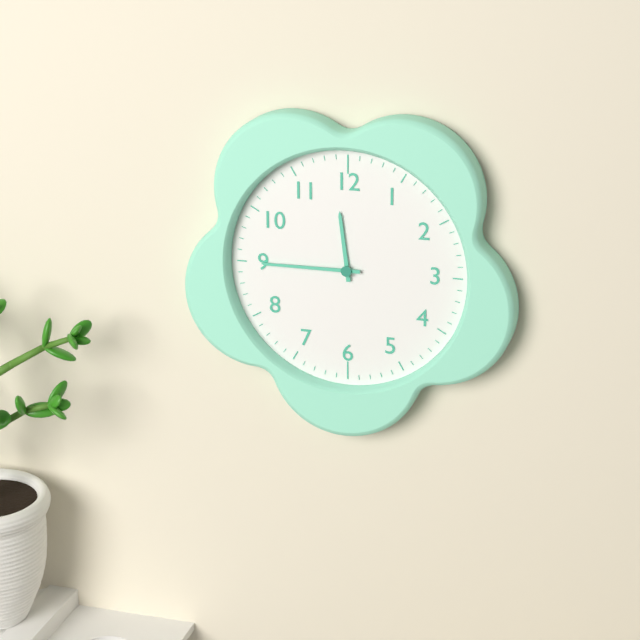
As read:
11 h 45 min
